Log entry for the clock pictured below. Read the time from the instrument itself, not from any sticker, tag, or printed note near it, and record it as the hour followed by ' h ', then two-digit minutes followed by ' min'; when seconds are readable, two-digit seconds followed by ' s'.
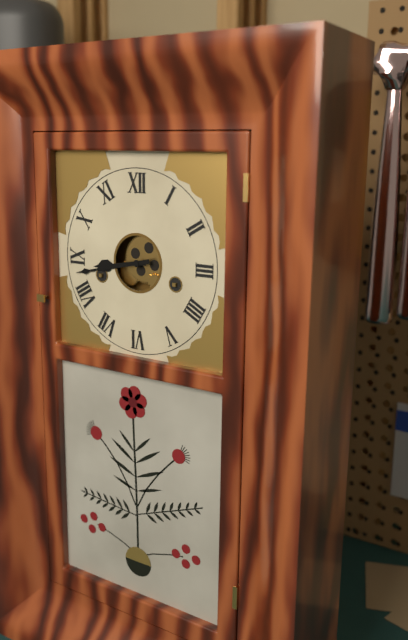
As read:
8 h 43 min
